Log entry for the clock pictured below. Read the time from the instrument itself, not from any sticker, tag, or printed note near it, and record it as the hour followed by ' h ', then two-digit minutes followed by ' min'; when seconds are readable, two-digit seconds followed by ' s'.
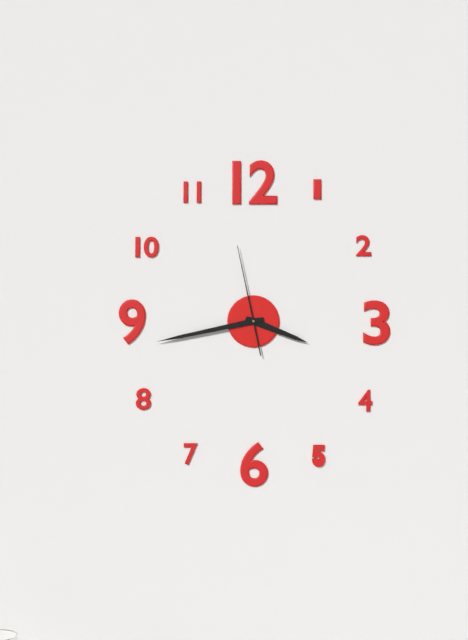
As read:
3 h 43 min 58 s
